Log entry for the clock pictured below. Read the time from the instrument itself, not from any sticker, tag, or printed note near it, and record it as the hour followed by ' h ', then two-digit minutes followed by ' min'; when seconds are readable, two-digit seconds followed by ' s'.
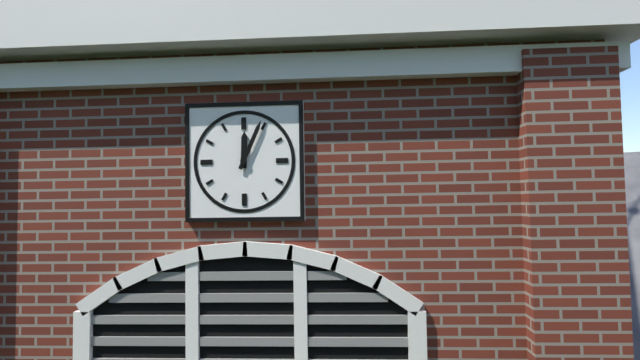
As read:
12 h 04 min
